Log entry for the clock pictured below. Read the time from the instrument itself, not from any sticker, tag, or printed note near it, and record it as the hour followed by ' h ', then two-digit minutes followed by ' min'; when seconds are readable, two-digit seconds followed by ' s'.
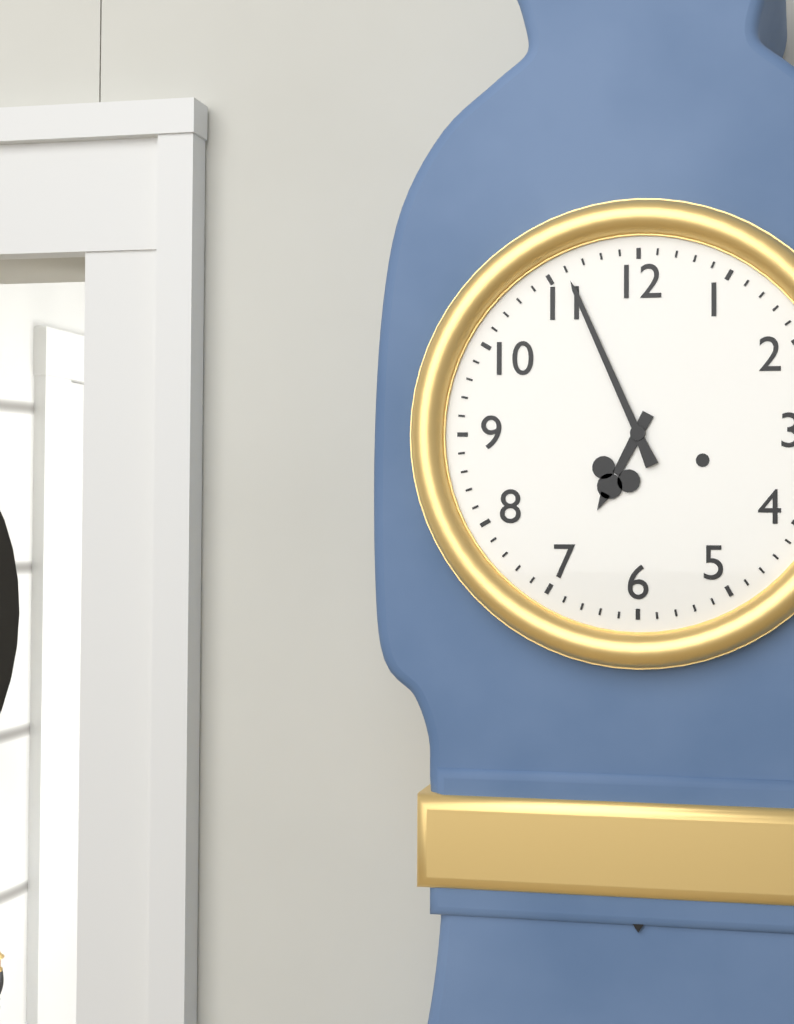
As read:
6 h 56 min
